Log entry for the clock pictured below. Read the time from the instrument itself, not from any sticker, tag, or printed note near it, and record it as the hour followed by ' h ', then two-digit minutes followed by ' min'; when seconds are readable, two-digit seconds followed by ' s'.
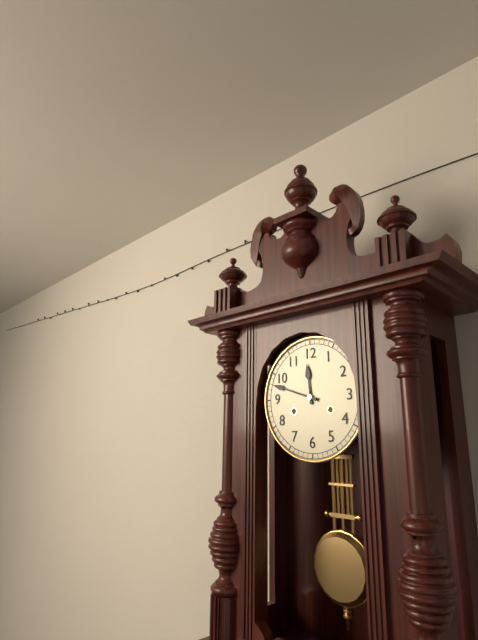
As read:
11 h 48 min
